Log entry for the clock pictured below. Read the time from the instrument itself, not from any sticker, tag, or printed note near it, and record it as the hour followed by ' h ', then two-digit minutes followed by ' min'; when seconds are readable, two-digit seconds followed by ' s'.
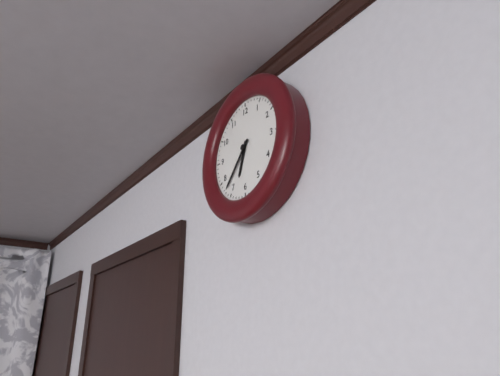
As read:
6 h 37 min
